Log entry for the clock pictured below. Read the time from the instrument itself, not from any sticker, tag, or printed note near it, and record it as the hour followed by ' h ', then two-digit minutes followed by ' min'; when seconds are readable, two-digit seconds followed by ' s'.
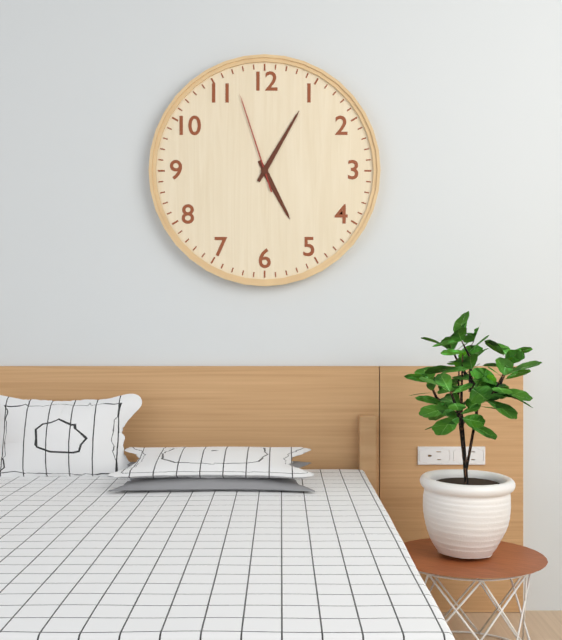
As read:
5 h 05 min 57 s
